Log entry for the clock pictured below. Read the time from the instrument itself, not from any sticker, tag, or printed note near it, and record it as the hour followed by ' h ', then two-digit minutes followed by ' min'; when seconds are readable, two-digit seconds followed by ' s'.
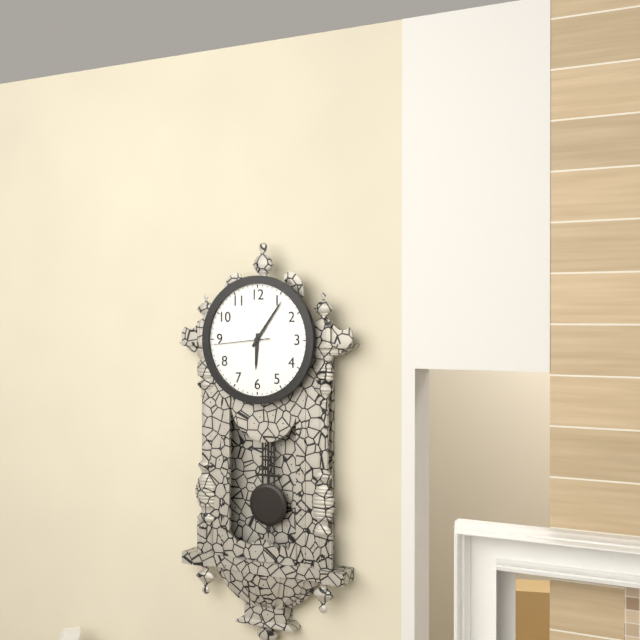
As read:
6 h 06 min 44 s
